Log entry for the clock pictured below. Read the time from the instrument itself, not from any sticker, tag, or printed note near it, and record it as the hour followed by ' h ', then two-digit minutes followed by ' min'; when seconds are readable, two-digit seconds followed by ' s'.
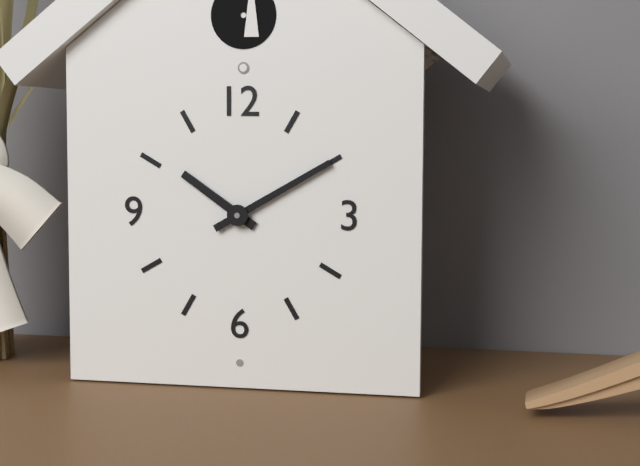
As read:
10 h 10 min
